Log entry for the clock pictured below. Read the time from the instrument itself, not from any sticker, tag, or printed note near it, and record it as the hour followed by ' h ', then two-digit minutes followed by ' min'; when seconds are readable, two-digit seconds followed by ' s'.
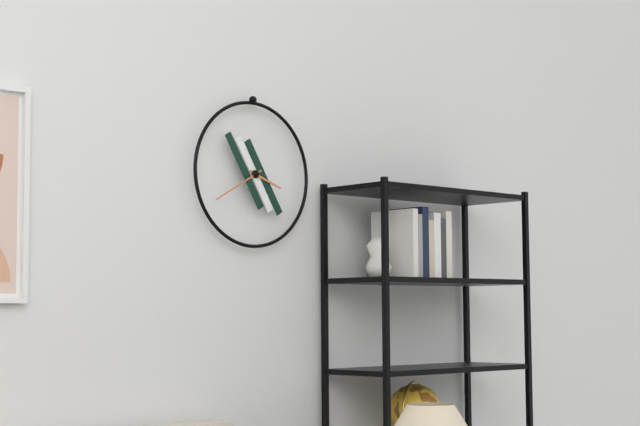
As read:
3 h 40 min
